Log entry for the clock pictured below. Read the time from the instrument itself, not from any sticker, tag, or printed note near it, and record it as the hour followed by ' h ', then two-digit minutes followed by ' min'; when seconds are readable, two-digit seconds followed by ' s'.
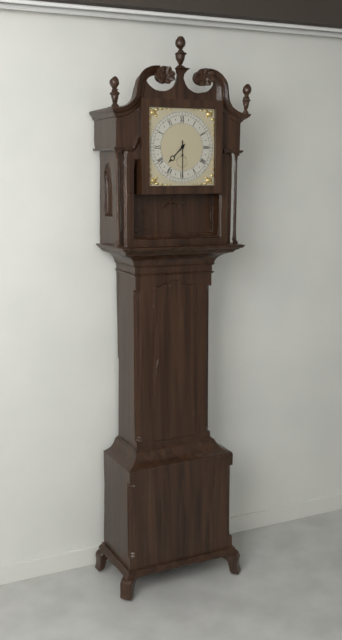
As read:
7 h 30 min
